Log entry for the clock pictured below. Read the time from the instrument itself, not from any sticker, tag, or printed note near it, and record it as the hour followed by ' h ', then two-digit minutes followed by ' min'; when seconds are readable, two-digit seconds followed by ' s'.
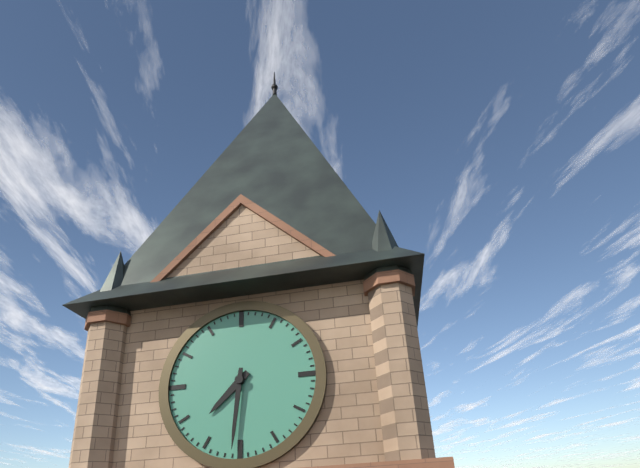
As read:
7 h 31 min
